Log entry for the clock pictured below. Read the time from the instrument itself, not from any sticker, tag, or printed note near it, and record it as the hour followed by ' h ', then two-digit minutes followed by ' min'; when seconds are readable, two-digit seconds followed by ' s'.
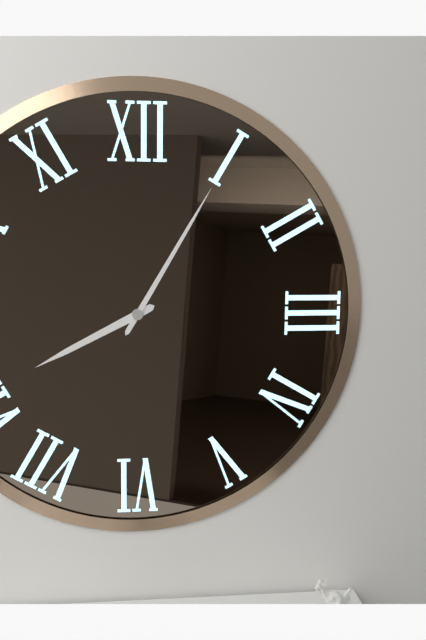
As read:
8 h 05 min
